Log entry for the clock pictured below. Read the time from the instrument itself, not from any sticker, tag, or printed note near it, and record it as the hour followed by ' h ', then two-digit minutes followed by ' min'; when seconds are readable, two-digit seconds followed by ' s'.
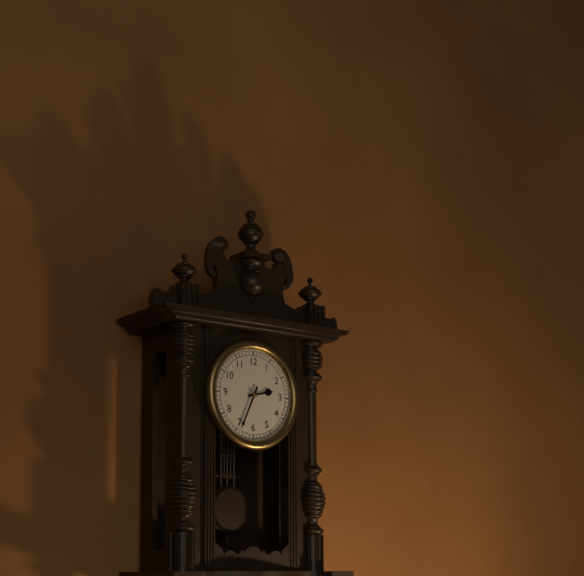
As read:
2 h 34 min
